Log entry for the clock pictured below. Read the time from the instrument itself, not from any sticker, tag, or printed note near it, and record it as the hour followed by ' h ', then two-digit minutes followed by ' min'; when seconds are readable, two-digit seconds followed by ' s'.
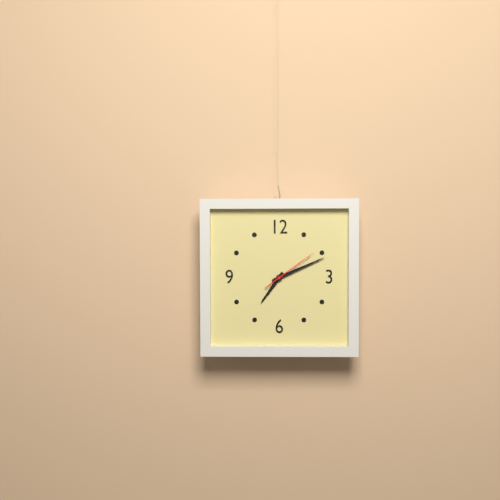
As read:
7 h 11 min 09 s
